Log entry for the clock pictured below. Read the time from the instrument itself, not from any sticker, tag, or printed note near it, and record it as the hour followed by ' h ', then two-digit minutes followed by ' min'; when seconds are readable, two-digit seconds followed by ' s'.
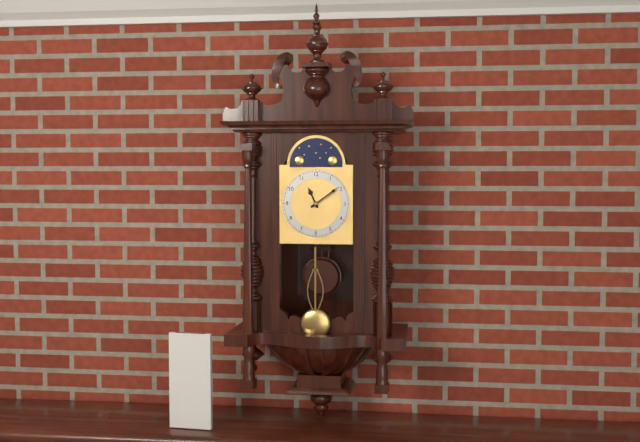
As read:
11 h 09 min
